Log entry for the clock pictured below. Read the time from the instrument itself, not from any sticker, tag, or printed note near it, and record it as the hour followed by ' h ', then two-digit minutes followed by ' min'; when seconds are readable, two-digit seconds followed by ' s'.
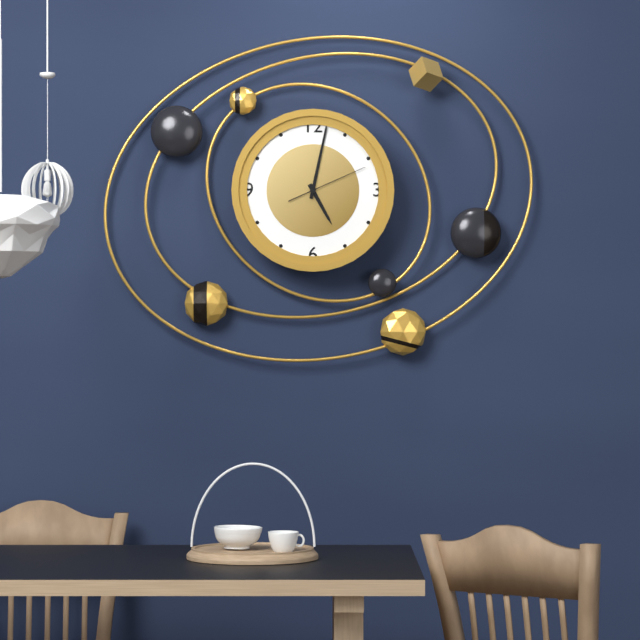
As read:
5 h 02 min 11 s
